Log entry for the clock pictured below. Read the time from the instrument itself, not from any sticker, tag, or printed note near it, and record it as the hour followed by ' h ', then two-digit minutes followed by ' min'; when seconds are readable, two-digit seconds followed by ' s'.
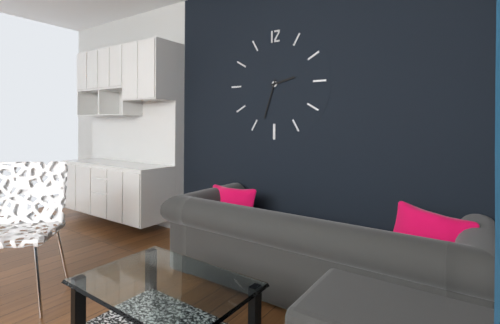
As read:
2 h 33 min
